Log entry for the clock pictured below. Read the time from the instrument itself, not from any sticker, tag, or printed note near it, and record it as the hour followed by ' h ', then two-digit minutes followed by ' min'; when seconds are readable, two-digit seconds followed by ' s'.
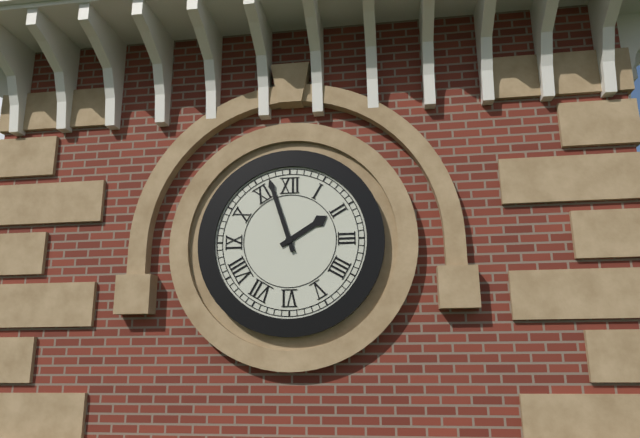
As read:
1 h 57 min
